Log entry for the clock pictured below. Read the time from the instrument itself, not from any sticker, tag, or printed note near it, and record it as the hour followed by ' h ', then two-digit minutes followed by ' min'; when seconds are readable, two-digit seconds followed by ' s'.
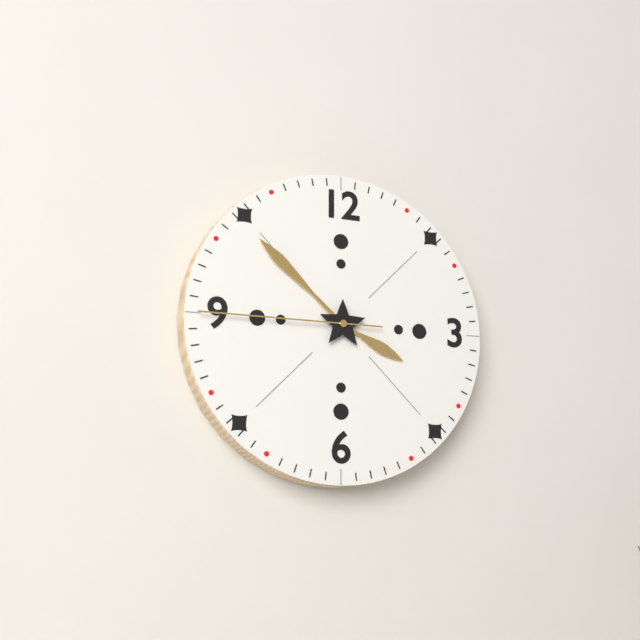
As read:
3 h 52 min 45 s
